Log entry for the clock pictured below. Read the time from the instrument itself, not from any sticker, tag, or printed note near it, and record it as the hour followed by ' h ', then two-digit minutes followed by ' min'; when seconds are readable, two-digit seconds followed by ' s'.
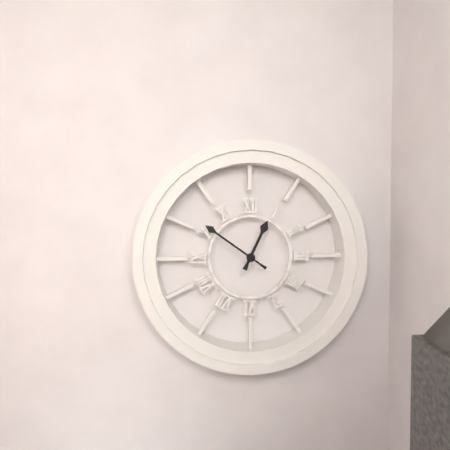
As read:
12 h 51 min
